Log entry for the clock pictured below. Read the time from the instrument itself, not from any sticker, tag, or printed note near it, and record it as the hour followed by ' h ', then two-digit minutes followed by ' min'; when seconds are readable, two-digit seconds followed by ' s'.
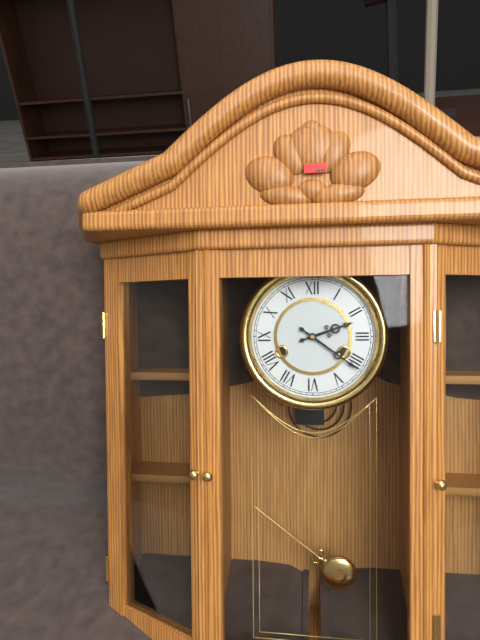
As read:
2 h 21 min
